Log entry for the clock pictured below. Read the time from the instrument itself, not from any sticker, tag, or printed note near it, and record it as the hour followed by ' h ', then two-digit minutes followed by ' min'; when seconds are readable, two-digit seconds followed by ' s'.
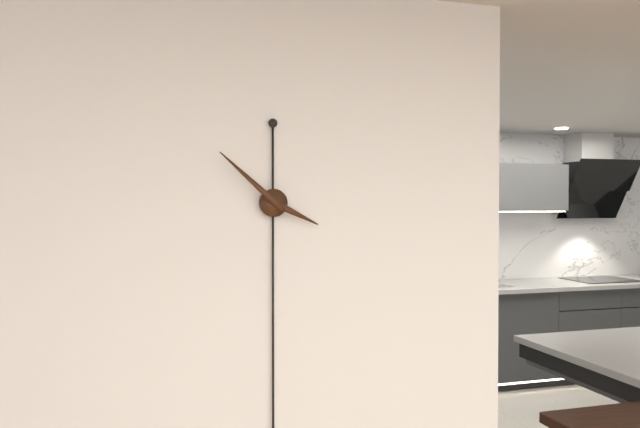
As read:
3 h 52 min
